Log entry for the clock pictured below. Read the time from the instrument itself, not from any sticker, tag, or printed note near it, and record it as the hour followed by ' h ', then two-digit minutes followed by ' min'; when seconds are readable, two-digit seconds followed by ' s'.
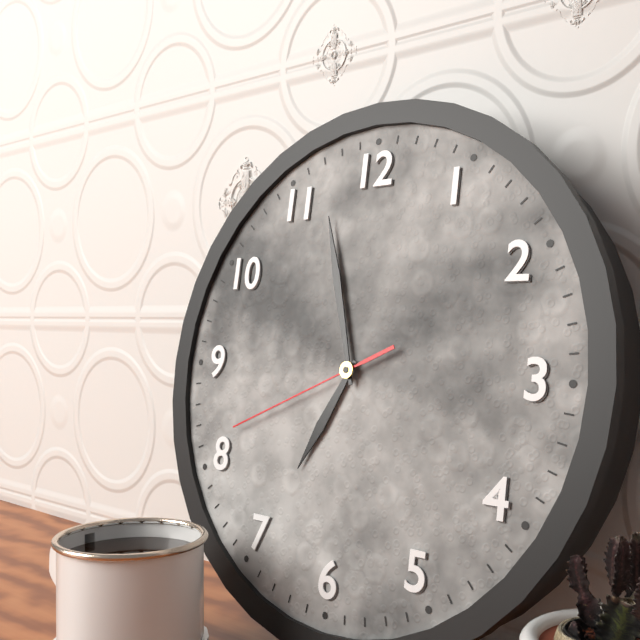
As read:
6 h 57 min 41 s
